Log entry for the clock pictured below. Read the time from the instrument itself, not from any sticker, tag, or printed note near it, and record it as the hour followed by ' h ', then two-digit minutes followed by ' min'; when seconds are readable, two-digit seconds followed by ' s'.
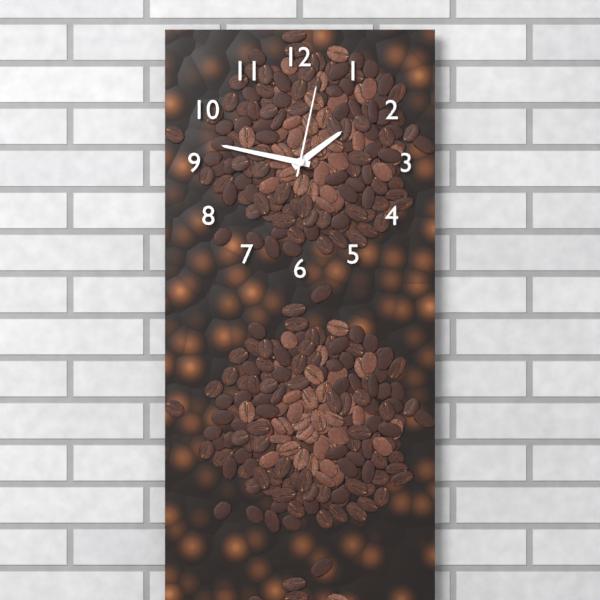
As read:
1 h 47 min 02 s
